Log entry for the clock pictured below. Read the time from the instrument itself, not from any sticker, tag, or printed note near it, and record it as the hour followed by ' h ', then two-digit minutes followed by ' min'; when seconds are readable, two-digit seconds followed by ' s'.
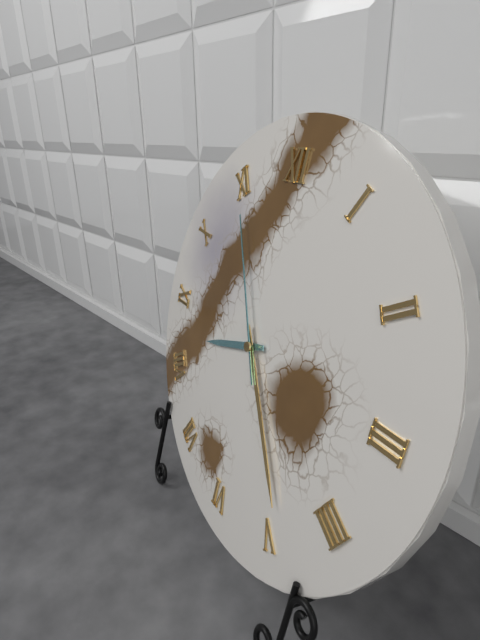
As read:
8 h 24 min 55 s
